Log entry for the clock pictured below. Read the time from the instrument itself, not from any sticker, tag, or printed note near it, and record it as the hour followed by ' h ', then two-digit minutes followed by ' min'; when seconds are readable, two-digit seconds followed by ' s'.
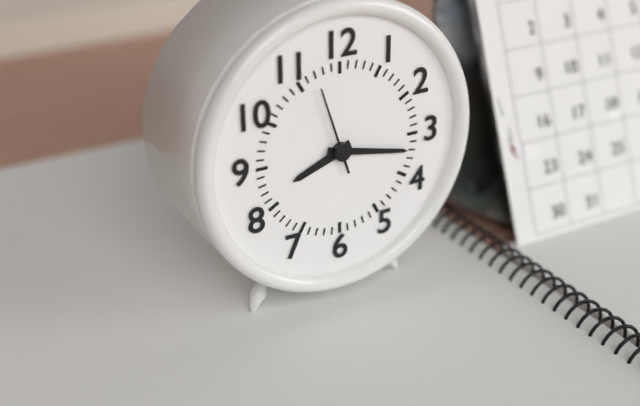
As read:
8 h 17 min 57 s
